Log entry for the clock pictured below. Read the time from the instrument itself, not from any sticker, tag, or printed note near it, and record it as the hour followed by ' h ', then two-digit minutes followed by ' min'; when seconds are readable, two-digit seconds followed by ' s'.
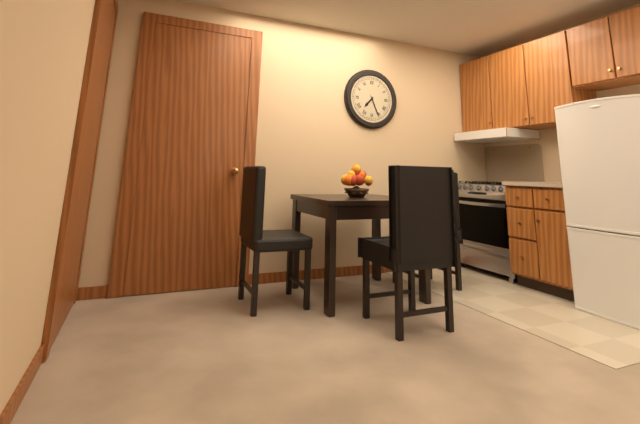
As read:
7 h 26 min
